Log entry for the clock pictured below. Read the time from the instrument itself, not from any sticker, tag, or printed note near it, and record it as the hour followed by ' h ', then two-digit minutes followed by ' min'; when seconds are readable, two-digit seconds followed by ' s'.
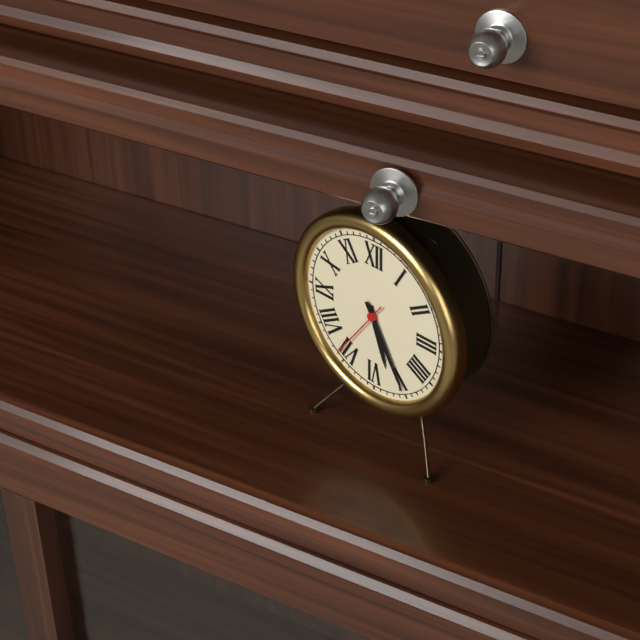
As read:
5 h 25 min 36 s
